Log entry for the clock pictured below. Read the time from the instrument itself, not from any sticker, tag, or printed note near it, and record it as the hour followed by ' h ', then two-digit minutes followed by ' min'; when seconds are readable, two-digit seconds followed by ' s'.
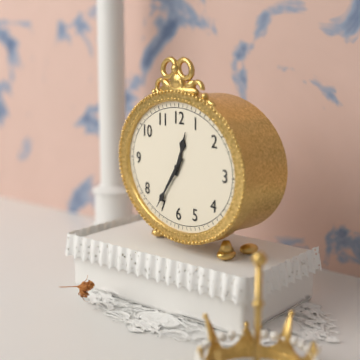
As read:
12 h 36 min
